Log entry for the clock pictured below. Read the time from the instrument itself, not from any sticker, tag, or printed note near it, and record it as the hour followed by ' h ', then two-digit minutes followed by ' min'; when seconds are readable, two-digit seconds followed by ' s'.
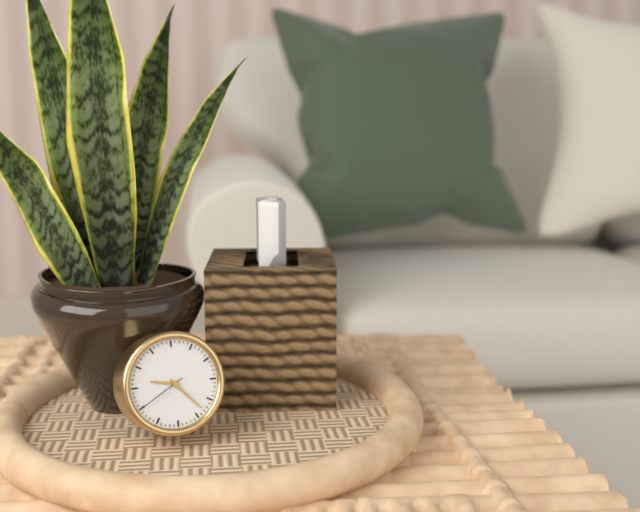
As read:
9 h 23 min 40 s
